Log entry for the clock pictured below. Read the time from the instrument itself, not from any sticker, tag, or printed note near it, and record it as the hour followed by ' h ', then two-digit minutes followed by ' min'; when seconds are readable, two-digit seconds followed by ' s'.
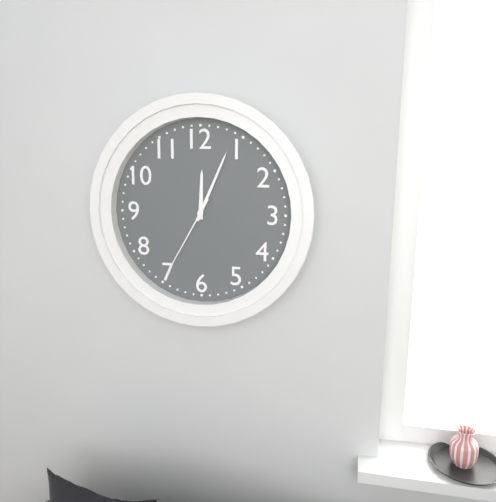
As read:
12 h 04 min 35 s
